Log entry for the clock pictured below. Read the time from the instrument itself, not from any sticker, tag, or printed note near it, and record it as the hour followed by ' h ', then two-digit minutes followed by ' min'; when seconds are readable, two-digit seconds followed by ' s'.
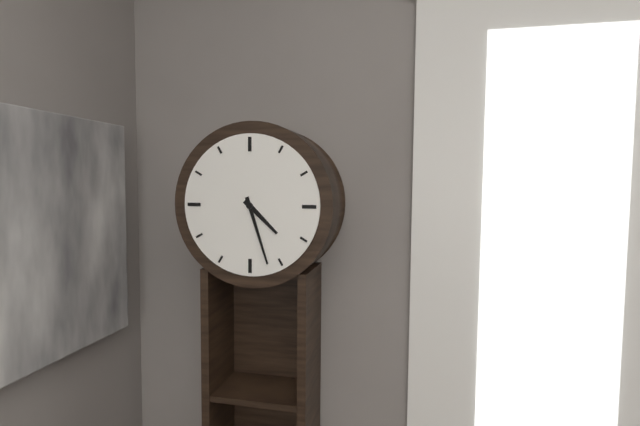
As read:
4 h 27 min
